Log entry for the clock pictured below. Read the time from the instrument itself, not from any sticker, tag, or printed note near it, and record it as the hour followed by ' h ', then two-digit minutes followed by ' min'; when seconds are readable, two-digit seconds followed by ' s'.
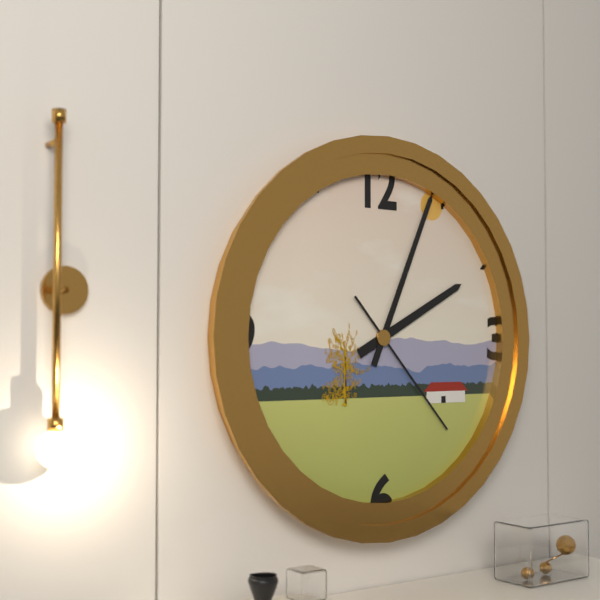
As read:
2 h 04 min 23 s
